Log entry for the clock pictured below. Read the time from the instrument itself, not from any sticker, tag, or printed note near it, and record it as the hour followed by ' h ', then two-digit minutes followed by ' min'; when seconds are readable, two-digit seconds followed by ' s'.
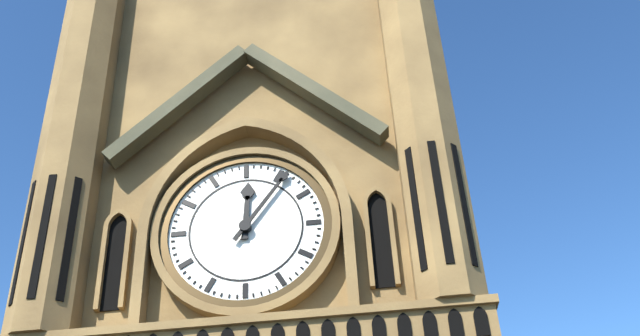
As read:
12 h 06 min
